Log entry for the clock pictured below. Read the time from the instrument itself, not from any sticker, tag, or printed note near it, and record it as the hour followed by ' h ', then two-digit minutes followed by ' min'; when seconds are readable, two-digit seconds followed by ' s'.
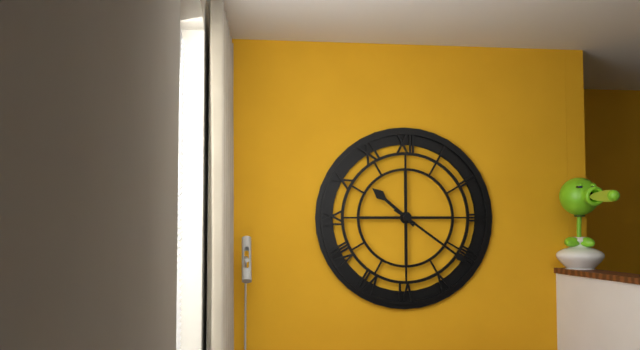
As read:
10 h 21 min
